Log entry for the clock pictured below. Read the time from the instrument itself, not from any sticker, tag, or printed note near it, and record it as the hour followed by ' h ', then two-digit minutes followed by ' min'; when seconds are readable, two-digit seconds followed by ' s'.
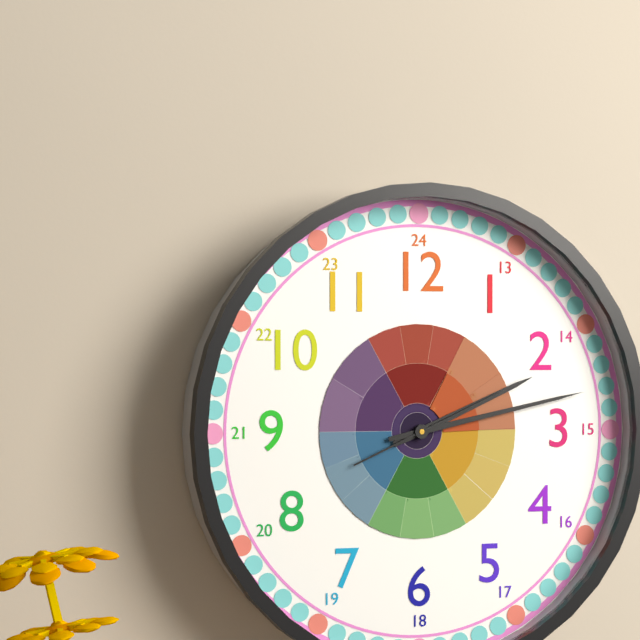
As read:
2 h 13 min 11 s
